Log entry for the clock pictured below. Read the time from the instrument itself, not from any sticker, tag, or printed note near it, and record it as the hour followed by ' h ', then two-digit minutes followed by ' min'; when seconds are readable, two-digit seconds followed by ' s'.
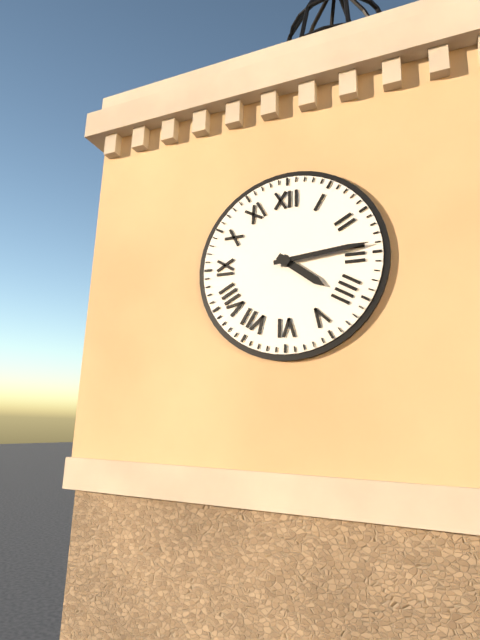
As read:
4 h 14 min
